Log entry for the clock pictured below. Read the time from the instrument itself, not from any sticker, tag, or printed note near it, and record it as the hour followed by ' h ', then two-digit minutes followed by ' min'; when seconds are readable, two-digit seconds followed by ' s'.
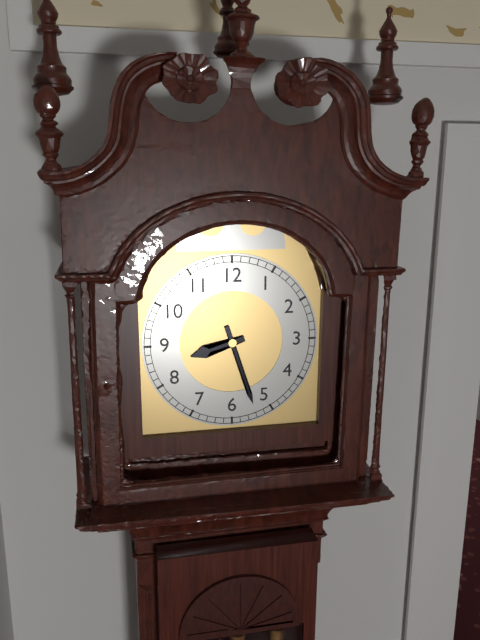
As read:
8 h 27 min
